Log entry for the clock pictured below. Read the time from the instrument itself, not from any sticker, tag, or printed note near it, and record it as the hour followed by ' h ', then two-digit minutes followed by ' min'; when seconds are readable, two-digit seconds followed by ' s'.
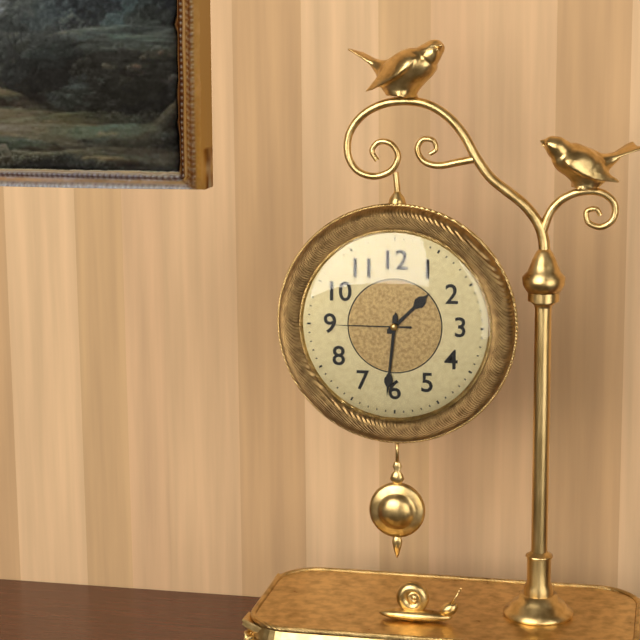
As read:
1 h 31 min 45 s
